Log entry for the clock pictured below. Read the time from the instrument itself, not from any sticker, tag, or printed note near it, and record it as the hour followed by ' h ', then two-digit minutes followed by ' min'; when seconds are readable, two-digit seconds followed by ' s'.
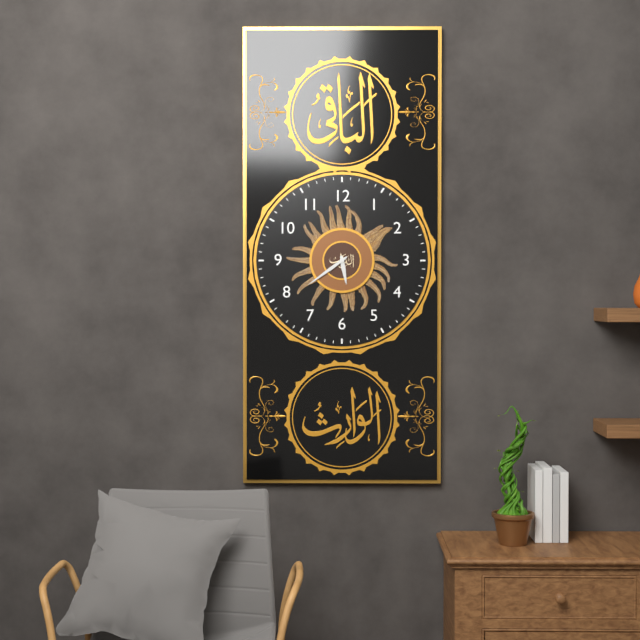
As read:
5 h 39 min
